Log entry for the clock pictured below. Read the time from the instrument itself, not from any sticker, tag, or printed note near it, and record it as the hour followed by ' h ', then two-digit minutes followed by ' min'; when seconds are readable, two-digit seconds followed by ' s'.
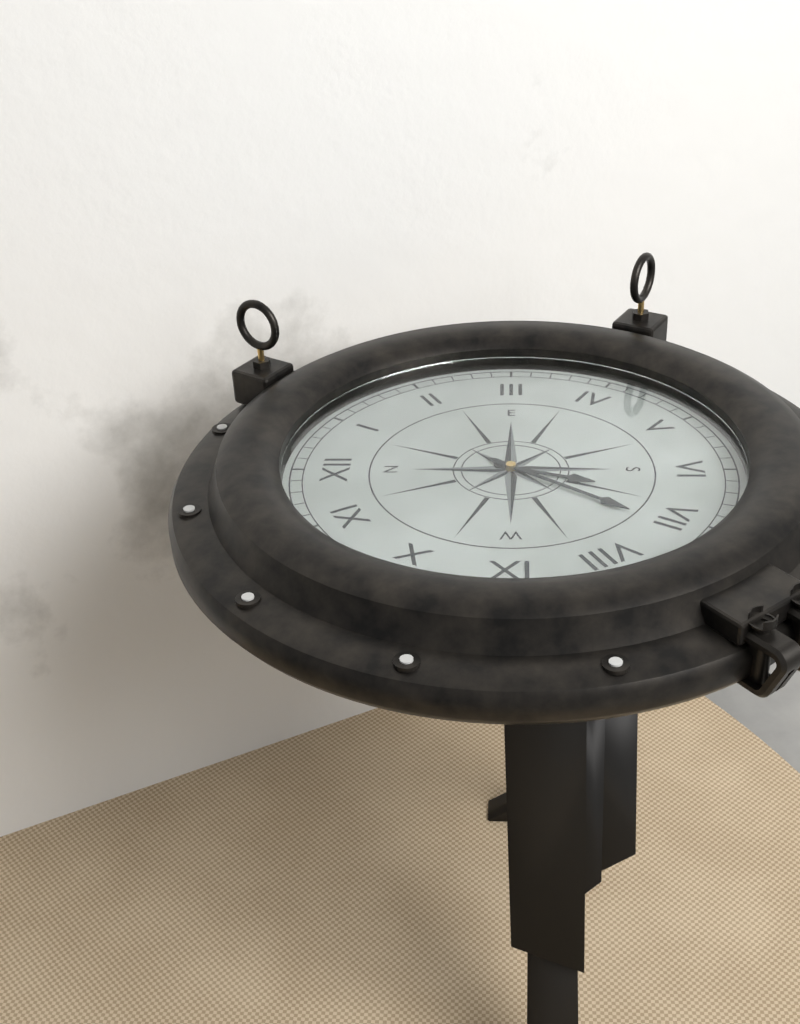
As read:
6 h 36 min
